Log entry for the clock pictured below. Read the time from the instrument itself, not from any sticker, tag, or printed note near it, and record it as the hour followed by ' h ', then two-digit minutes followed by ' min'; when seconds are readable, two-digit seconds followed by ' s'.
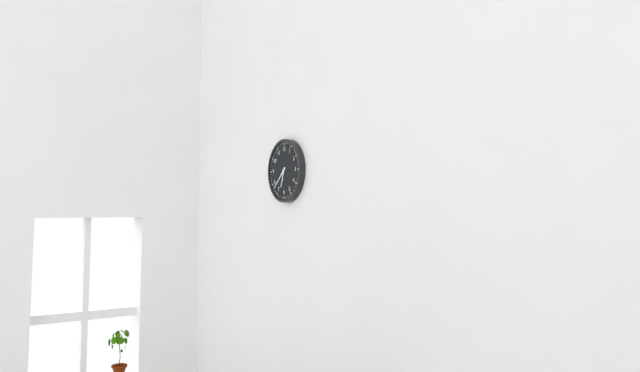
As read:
6 h 38 min
